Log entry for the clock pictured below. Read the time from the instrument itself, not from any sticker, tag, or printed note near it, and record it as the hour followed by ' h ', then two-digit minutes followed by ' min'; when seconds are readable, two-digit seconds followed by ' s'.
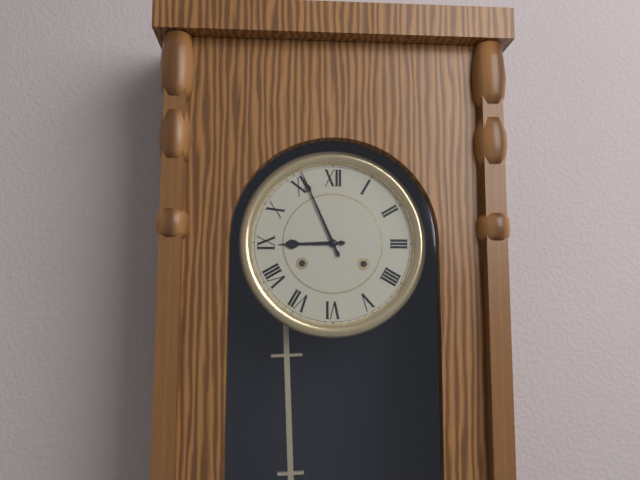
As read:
8 h 56 min
